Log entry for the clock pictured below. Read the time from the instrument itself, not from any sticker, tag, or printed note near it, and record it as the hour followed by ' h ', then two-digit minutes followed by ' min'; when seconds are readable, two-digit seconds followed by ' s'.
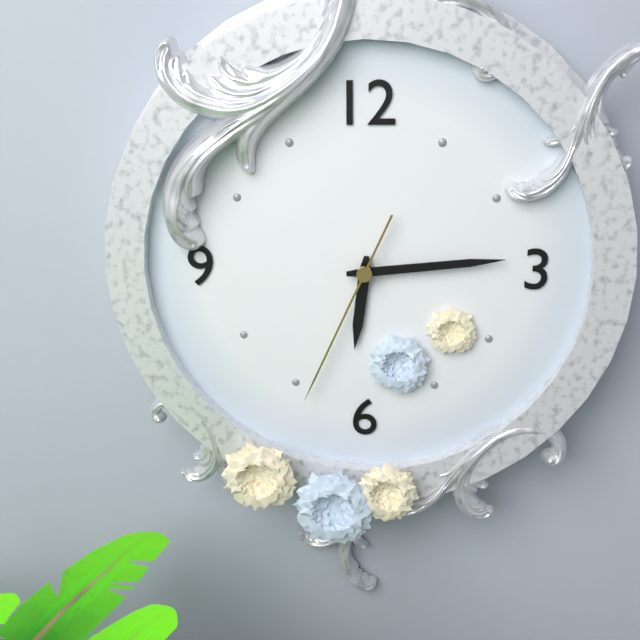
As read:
6 h 14 min 34 s
